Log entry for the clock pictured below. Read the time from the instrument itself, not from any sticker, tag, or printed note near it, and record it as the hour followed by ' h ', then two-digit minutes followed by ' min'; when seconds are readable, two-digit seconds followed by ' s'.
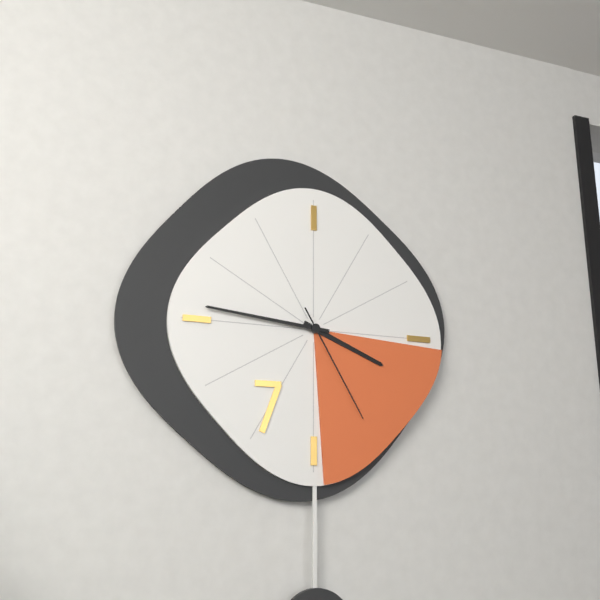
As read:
3 h 46 min 25 s
